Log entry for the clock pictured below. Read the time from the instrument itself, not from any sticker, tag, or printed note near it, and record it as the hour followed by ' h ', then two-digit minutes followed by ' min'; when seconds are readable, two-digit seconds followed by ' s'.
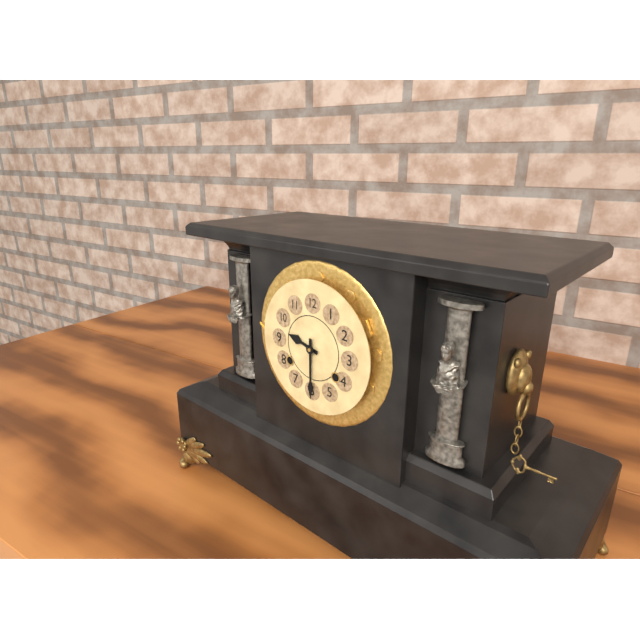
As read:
9 h 30 min
